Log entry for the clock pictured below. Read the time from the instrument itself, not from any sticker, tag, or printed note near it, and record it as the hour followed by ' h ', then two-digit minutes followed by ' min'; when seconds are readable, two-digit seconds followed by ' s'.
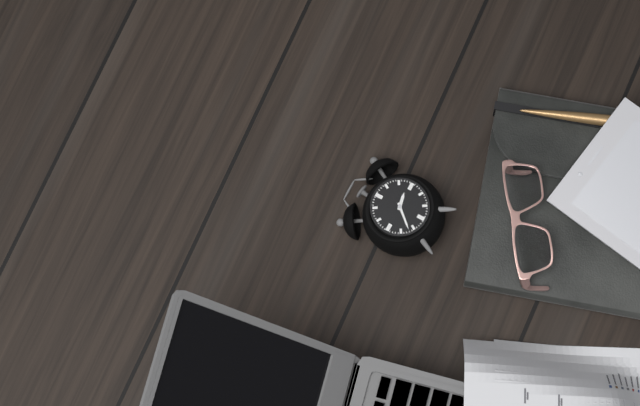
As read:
2 h 37 min
